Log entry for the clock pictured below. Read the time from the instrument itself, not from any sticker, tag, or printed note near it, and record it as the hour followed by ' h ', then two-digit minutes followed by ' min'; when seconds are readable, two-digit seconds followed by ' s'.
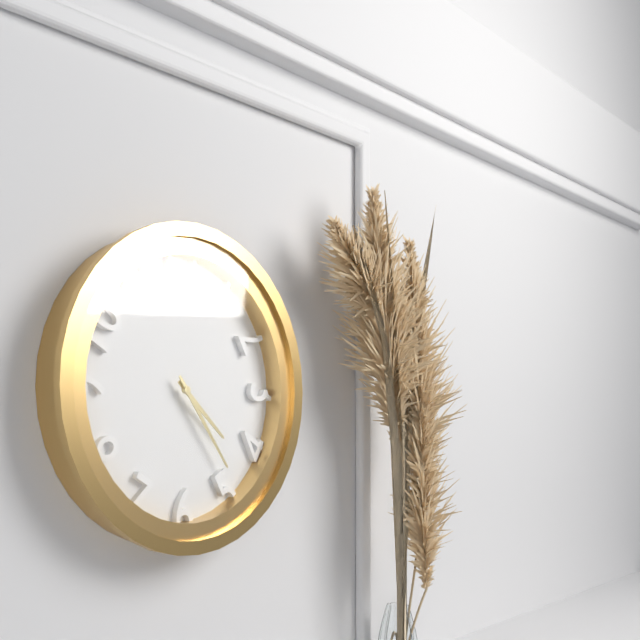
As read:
4 h 24 min
